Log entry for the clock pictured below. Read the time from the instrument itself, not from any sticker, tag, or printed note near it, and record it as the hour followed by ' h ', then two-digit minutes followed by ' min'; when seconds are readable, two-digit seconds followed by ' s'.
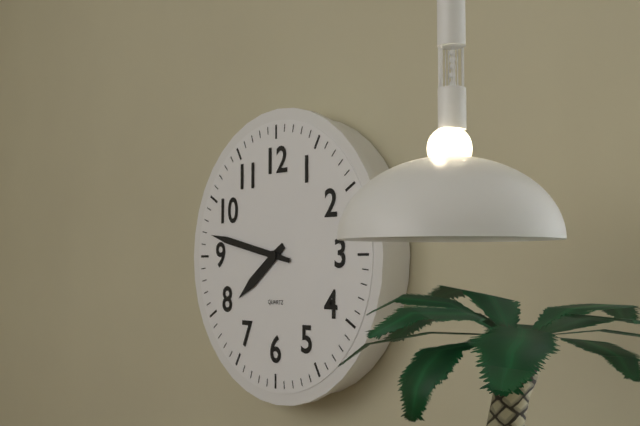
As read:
7 h 47 min
